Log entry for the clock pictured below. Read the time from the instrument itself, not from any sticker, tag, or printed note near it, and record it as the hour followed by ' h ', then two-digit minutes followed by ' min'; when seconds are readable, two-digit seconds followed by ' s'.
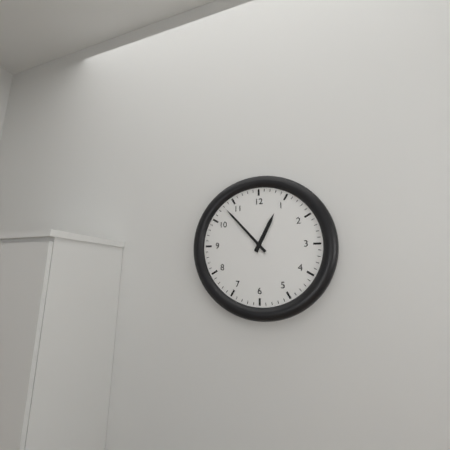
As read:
12 h 53 min
